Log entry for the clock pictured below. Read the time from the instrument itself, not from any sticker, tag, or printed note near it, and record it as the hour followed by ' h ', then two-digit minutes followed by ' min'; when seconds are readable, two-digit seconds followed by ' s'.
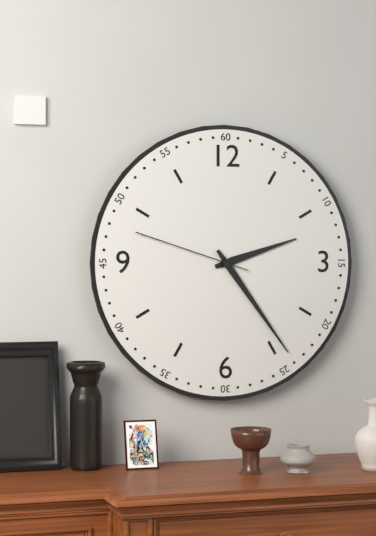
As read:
2 h 24 min 48 s
